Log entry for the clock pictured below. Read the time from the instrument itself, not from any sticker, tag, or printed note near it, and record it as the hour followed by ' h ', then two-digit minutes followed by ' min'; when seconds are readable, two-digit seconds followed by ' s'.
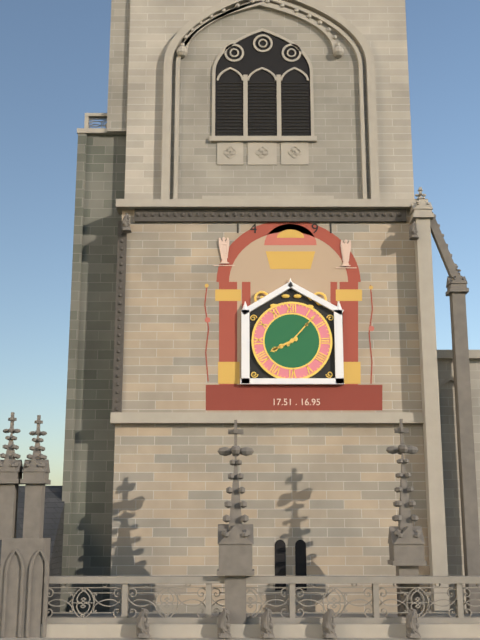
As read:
8 h 07 min
